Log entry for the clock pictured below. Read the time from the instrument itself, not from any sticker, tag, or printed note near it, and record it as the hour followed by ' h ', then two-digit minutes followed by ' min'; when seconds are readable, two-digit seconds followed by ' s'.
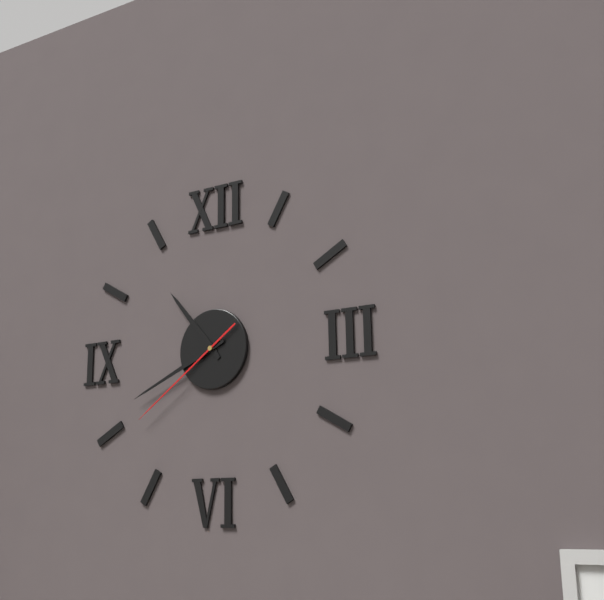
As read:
10 h 41 min 39 s
